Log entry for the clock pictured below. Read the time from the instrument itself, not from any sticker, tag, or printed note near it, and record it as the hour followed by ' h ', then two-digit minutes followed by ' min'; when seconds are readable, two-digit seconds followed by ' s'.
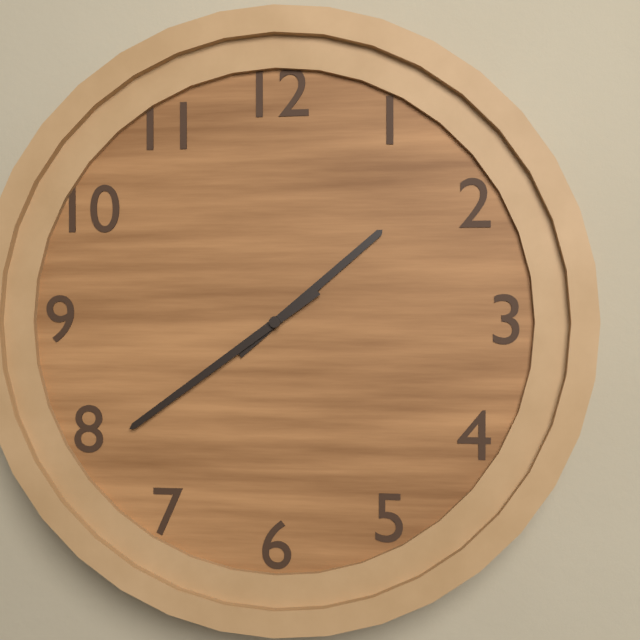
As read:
1 h 39 min
